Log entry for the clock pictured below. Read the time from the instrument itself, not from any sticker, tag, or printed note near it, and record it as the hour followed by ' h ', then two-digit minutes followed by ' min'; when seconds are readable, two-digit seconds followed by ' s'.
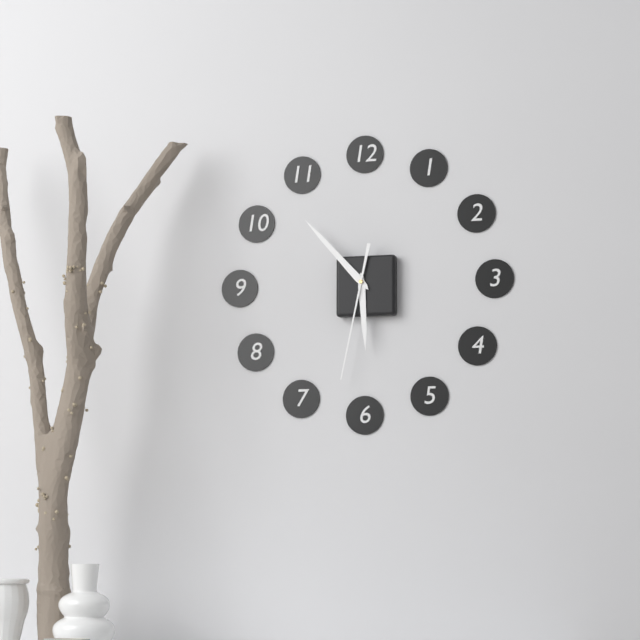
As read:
5 h 53 min 32 s
